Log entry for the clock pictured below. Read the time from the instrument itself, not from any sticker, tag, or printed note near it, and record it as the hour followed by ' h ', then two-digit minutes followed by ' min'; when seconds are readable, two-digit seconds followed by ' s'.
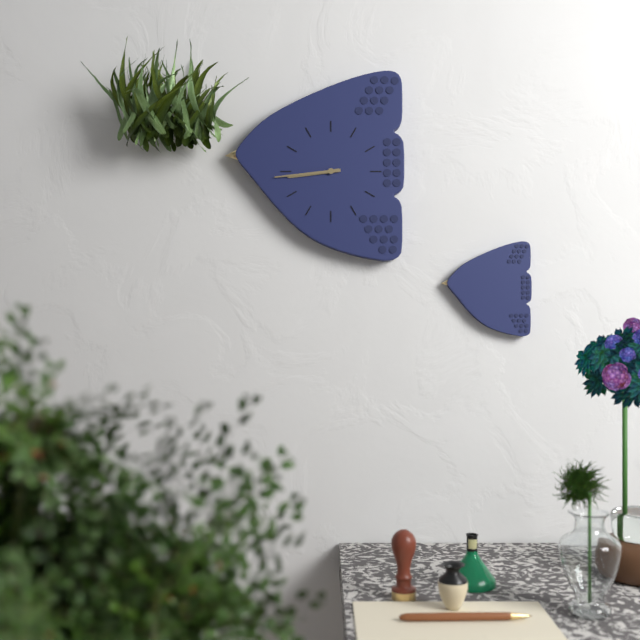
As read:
8 h 44 min
